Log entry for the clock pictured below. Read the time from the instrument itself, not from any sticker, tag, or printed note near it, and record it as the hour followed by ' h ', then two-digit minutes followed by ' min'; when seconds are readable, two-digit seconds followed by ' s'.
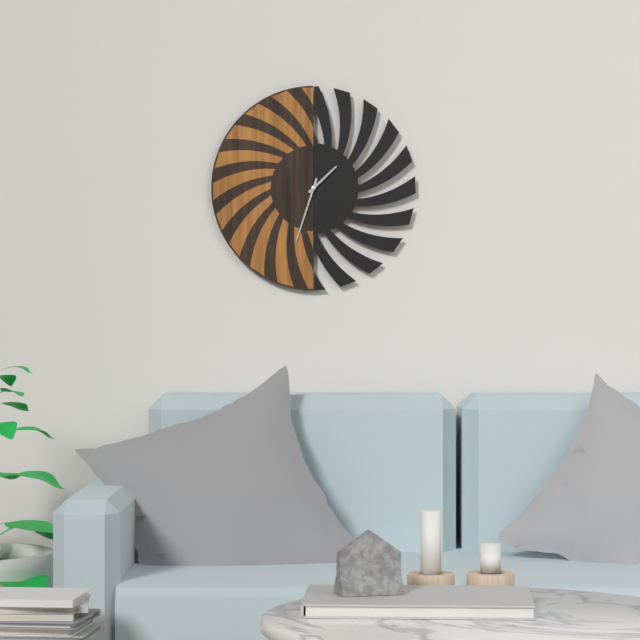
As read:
1 h 33 min
